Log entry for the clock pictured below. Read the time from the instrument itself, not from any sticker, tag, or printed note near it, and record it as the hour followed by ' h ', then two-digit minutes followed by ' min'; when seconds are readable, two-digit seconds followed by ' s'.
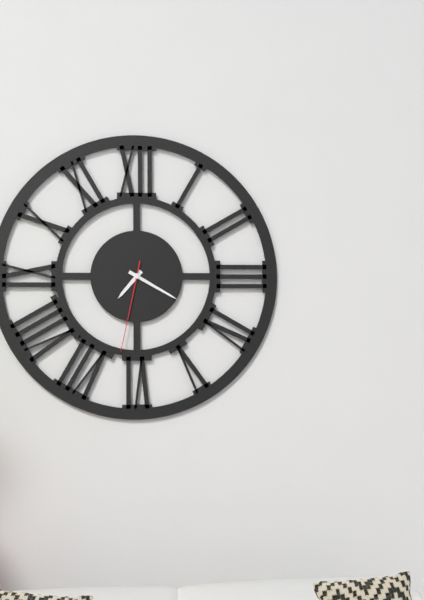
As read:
7 h 20 min 32 s
